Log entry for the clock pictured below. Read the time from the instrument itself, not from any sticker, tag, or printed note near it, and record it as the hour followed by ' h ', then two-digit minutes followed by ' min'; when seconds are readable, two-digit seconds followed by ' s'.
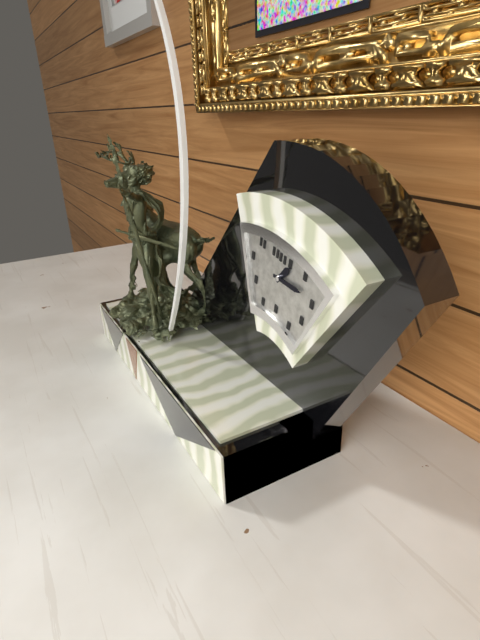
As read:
1 h 14 min
